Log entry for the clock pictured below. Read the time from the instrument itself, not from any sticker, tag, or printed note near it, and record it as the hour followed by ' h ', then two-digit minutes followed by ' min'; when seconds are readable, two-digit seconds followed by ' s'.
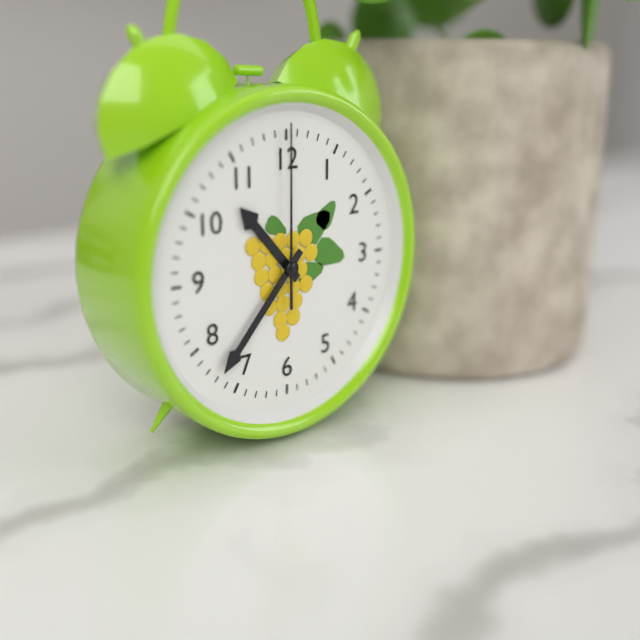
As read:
10 h 37 min 00 s
